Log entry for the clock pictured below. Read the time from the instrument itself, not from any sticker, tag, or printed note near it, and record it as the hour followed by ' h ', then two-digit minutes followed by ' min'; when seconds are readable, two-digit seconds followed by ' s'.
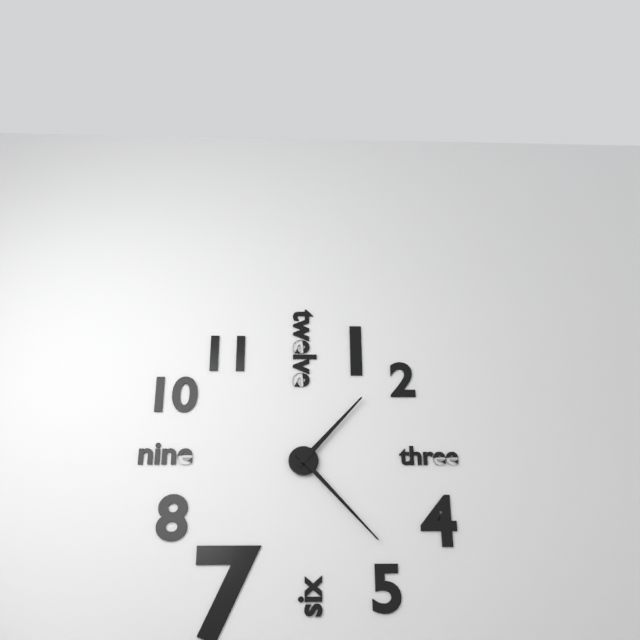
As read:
1 h 23 min
